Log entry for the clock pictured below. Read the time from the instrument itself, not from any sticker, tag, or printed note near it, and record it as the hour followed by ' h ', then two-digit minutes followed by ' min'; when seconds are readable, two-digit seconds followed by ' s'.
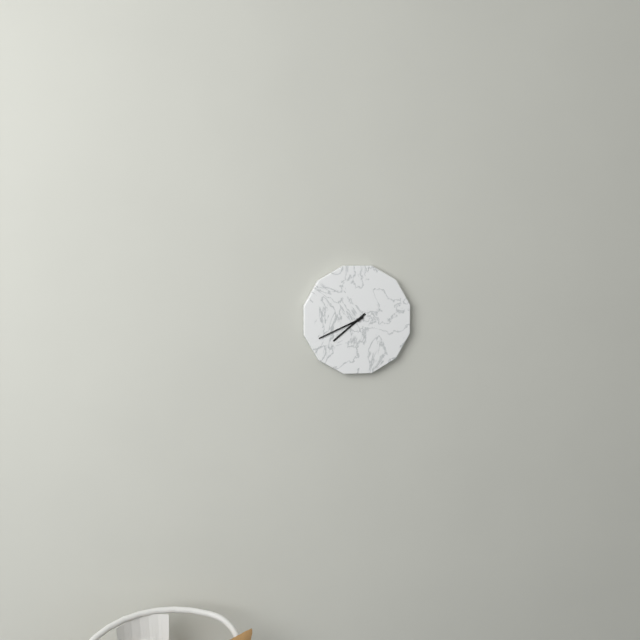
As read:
7 h 41 min
